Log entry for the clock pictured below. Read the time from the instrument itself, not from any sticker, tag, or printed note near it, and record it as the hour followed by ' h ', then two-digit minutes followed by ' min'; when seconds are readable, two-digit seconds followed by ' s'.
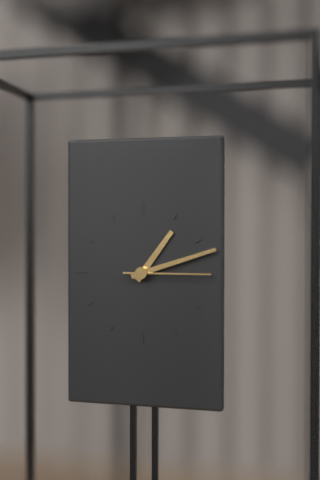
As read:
1 h 12 min 15 s
